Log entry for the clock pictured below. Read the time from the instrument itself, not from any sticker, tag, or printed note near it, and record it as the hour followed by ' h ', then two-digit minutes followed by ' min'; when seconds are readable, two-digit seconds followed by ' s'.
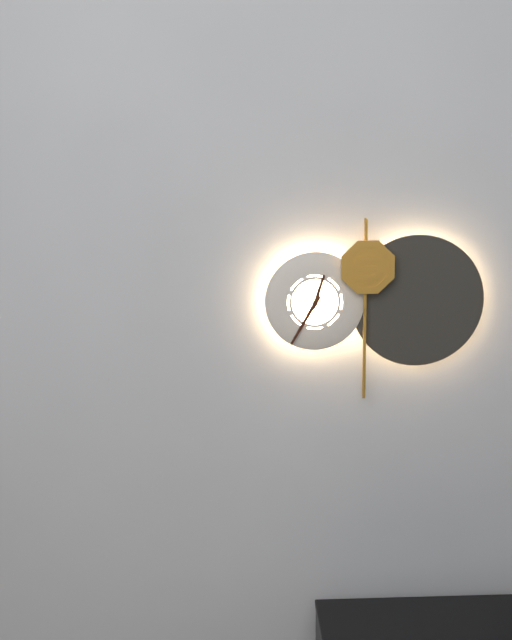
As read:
12 h 35 min
